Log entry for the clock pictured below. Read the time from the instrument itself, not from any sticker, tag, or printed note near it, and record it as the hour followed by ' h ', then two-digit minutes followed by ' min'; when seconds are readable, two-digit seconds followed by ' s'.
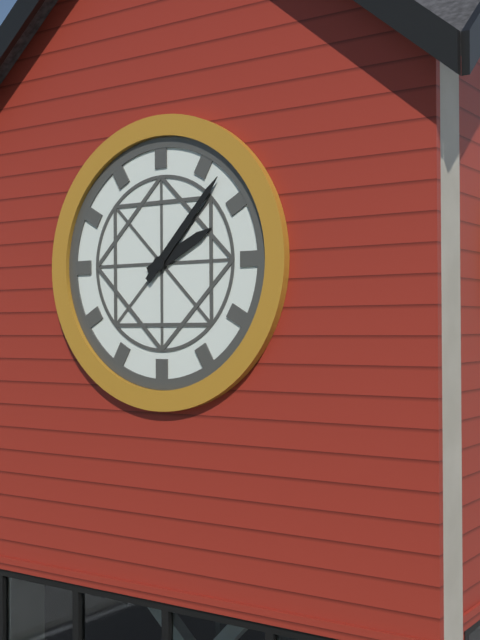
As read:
2 h 07 min
